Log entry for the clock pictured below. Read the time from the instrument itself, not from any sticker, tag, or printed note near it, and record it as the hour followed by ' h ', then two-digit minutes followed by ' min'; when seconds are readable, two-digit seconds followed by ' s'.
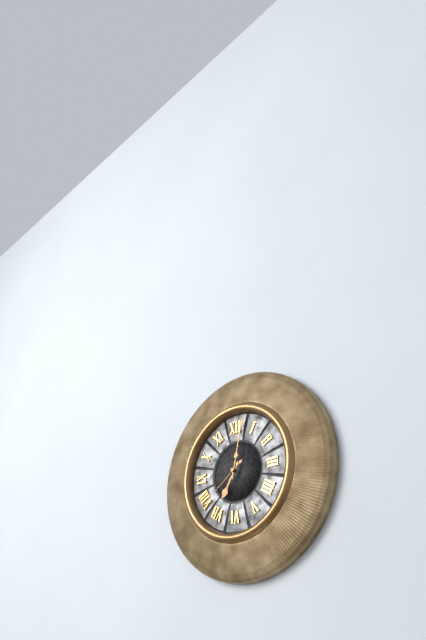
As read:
7 h 02 min 39 s
